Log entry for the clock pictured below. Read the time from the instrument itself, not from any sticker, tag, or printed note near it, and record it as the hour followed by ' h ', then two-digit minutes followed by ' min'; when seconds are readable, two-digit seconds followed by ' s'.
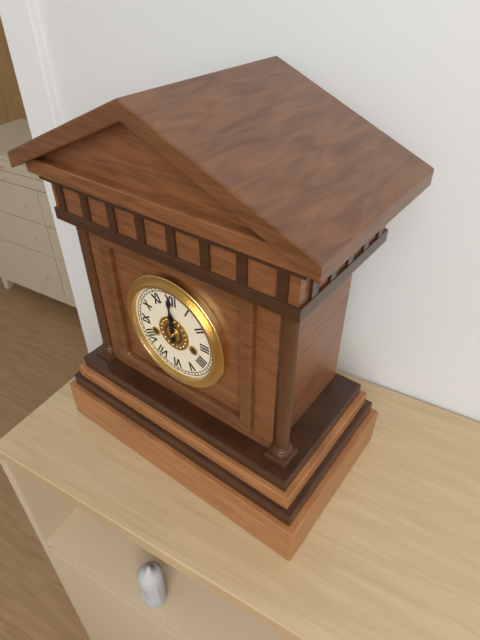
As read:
12 h 00 min
